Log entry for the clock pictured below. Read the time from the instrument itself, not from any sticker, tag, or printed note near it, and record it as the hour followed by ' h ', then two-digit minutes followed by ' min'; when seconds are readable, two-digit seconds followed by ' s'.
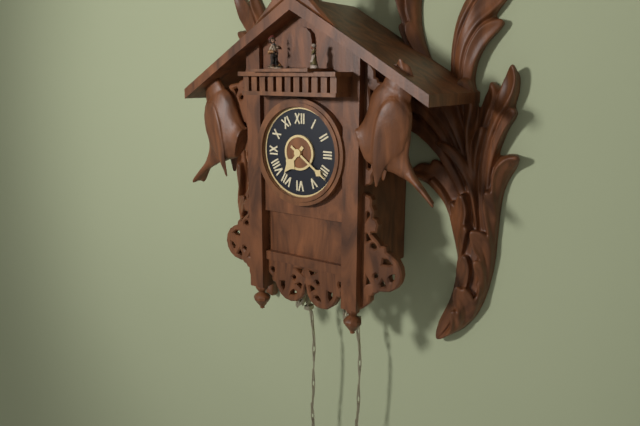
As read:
7 h 21 min
